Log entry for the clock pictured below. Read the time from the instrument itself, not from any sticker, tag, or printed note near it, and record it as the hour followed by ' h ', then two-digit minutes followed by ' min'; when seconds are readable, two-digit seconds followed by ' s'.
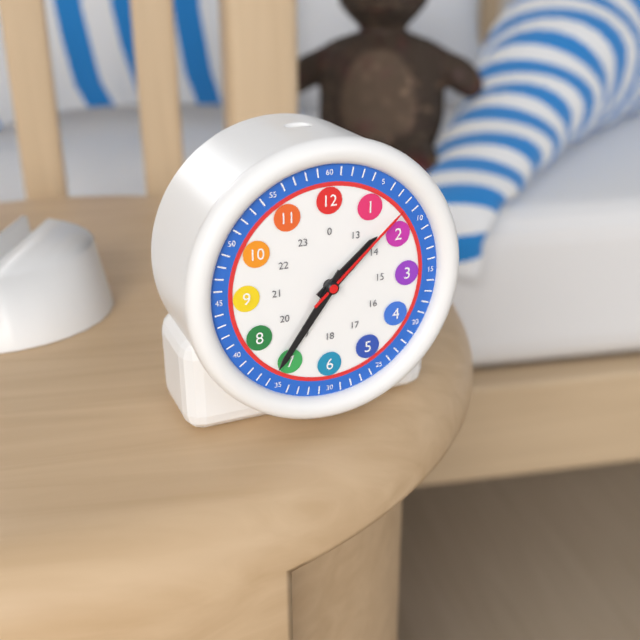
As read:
1 h 36 min 08 s
